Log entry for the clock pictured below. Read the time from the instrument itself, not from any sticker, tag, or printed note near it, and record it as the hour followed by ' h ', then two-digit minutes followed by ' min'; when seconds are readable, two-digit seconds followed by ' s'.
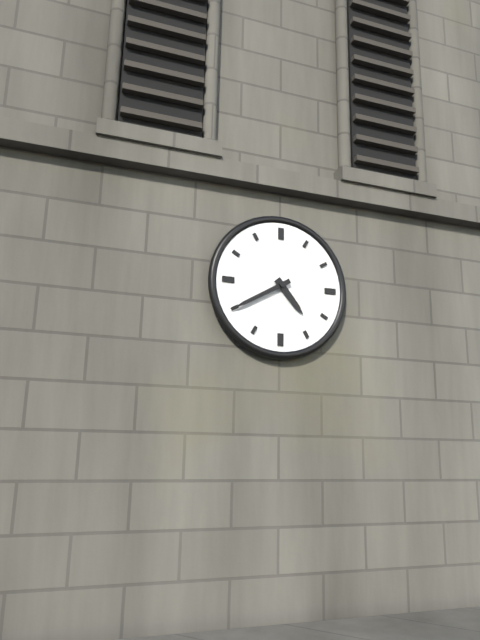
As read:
4 h 40 min
